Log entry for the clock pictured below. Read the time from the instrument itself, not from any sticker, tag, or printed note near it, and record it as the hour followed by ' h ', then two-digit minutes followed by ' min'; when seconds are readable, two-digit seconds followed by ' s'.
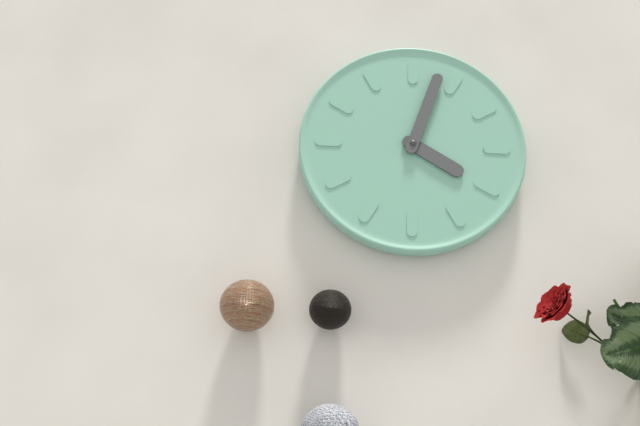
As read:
4 h 03 min
